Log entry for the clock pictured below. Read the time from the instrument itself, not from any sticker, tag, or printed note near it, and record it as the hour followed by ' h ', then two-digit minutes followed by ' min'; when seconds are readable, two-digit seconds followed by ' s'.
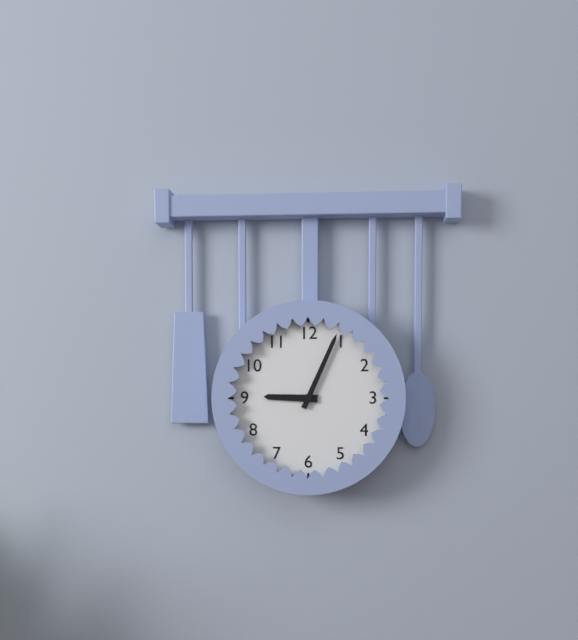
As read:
9 h 04 min
